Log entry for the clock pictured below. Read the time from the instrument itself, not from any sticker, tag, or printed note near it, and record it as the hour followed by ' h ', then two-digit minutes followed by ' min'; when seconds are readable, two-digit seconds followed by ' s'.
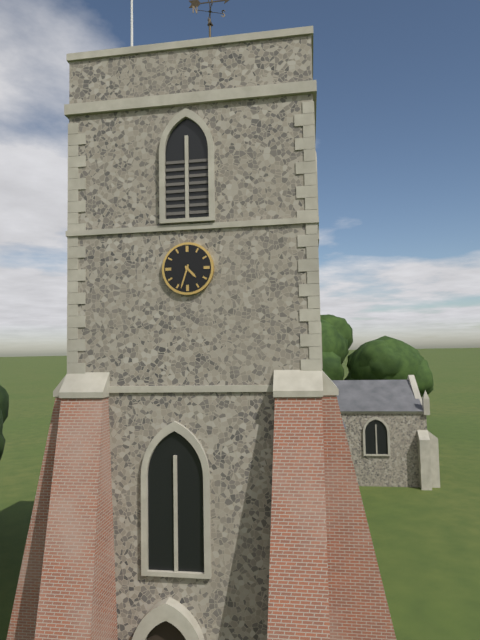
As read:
4 h 33 min
